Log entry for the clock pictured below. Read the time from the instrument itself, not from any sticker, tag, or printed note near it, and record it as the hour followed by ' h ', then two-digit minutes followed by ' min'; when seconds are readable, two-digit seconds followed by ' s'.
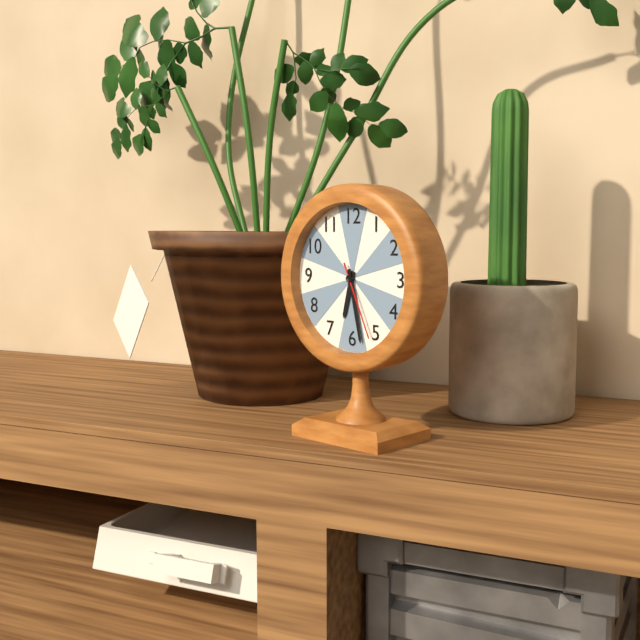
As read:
6 h 28 min 26 s
